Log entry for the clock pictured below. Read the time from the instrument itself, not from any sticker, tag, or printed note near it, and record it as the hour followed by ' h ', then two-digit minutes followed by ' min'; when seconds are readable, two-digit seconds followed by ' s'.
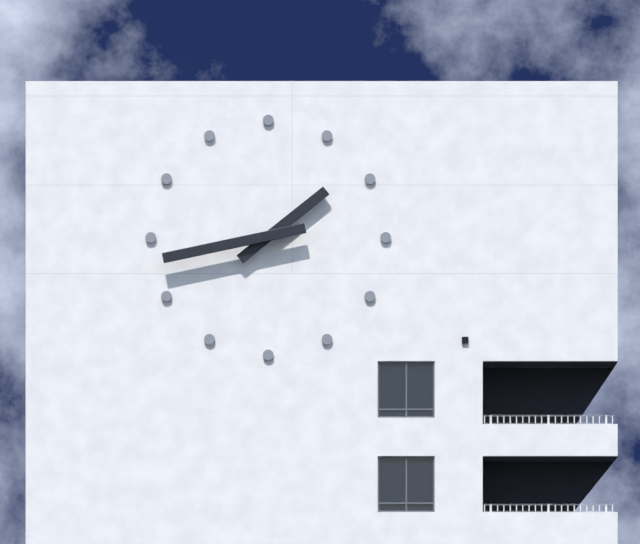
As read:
1 h 43 min
